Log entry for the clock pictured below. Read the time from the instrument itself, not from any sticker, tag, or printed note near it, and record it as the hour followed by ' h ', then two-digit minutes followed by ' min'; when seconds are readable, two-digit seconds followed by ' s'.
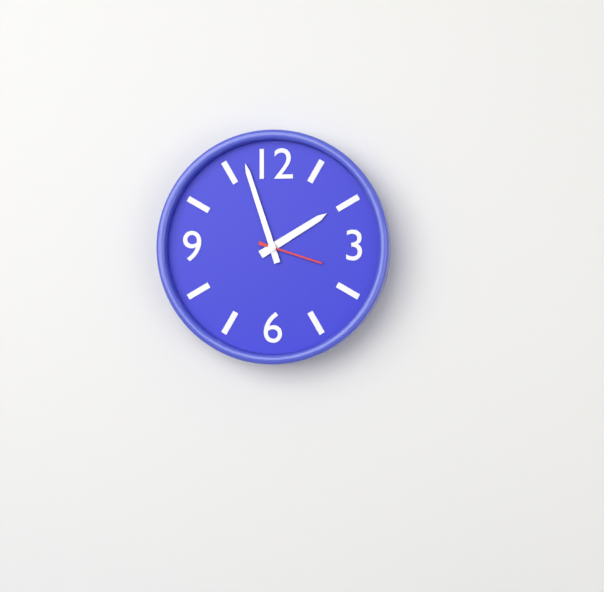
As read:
1 h 57 min 18 s
